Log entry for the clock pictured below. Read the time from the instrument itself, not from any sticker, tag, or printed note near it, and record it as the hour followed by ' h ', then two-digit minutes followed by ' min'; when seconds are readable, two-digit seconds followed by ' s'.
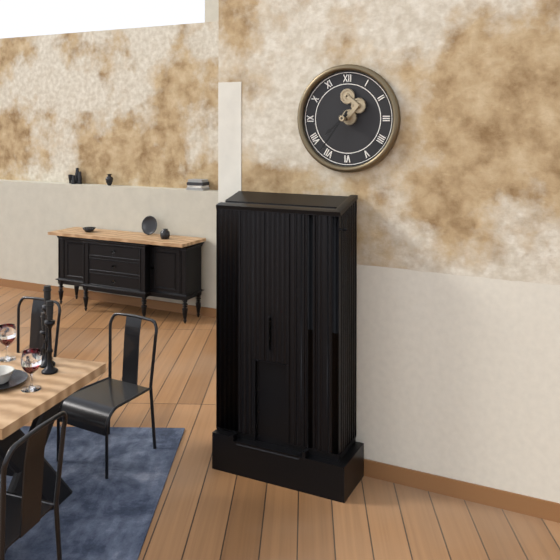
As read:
7 h 36 min
